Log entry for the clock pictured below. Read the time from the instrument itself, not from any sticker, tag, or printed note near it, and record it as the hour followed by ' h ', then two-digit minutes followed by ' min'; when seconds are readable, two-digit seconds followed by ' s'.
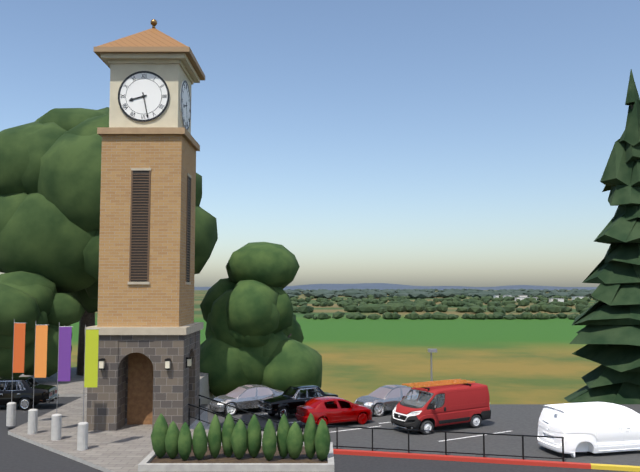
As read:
8 h 28 min
